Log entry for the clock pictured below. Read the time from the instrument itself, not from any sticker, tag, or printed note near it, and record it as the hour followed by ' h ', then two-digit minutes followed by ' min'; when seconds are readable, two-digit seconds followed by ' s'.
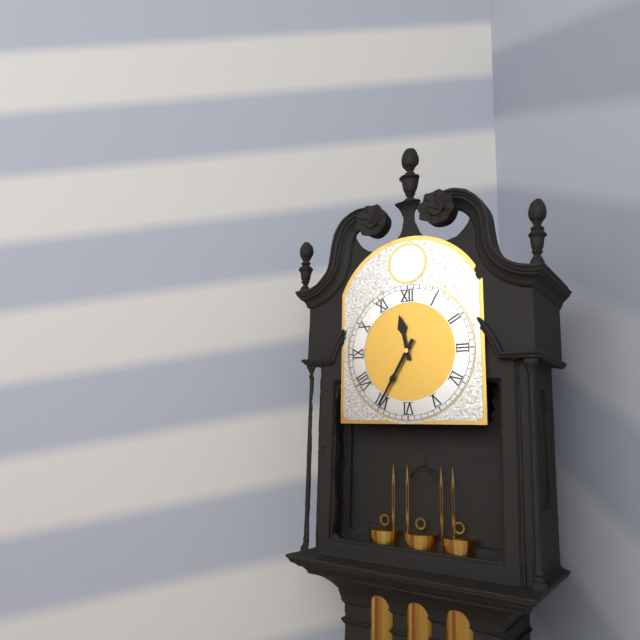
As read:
11 h 35 min
